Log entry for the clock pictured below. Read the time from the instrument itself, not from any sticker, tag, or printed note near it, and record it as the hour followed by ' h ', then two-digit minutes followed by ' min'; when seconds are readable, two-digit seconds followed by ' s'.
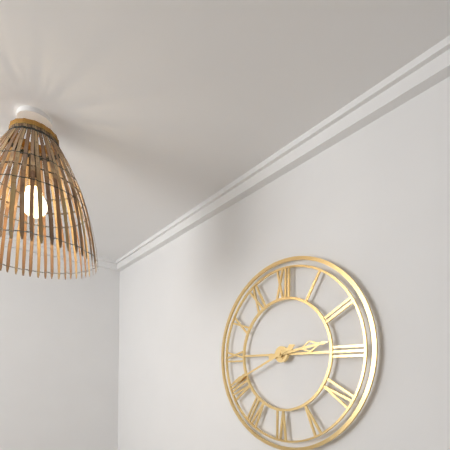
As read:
2 h 41 min
